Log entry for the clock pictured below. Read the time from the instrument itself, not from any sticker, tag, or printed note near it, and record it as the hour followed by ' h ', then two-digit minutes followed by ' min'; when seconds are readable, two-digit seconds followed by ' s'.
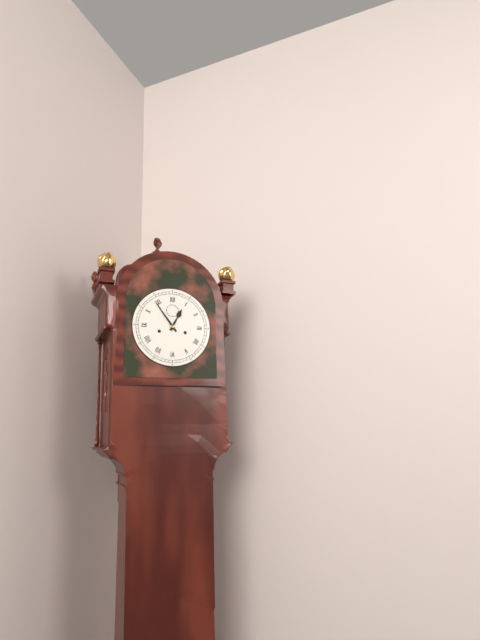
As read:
12 h 54 min
